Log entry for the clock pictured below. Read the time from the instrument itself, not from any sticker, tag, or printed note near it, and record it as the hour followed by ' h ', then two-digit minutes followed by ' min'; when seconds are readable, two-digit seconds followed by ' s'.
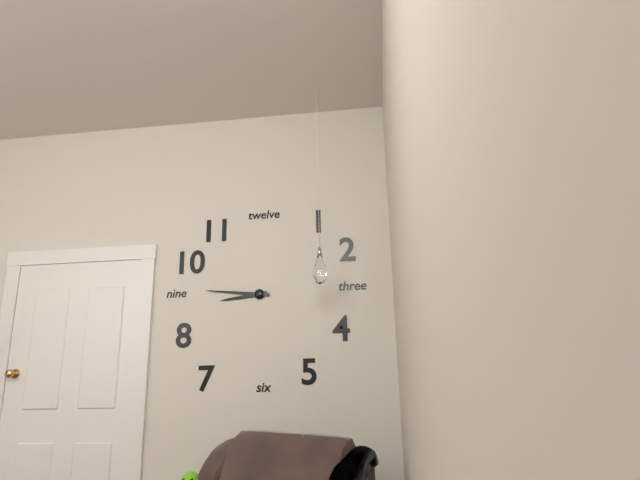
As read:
8 h 46 min
